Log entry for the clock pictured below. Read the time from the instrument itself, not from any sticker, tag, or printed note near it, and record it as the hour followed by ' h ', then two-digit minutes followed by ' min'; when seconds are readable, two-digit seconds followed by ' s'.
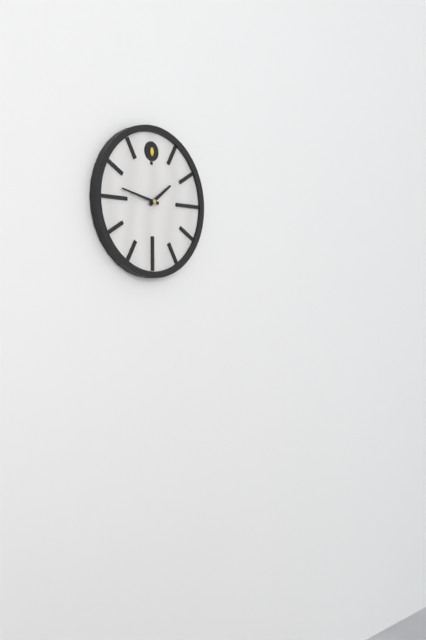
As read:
1 h 47 min
